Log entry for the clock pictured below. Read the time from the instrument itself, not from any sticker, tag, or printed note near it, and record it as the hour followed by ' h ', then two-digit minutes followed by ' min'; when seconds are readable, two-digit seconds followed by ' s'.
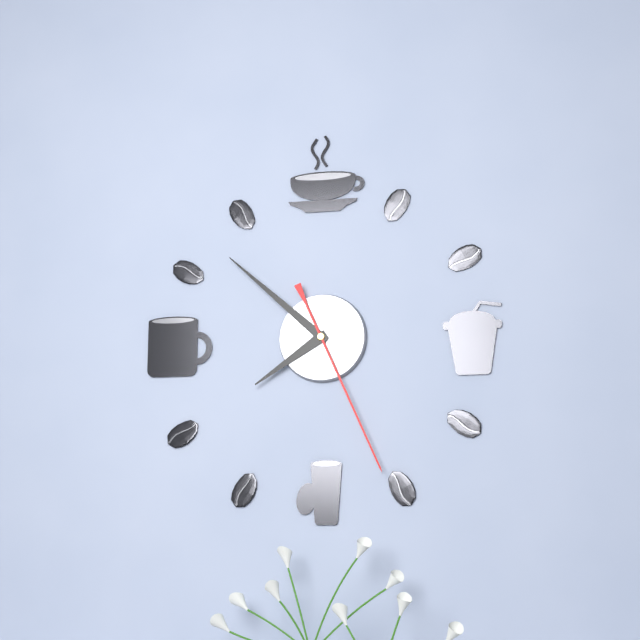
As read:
7 h 52 min 26 s
